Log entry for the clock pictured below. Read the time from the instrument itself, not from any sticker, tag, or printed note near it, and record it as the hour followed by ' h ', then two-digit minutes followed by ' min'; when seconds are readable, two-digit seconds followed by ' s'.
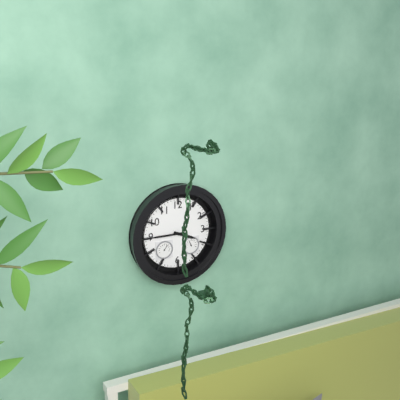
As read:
3 h 45 min
